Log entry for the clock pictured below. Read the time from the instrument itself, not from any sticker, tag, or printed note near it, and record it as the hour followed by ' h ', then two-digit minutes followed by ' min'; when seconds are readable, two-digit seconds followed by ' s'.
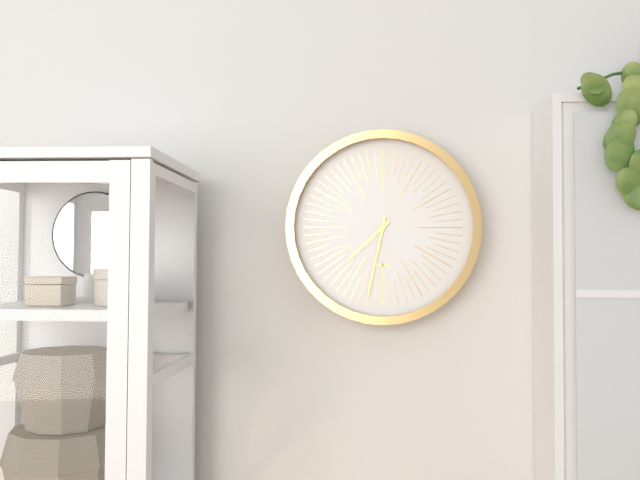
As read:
7 h 32 min
